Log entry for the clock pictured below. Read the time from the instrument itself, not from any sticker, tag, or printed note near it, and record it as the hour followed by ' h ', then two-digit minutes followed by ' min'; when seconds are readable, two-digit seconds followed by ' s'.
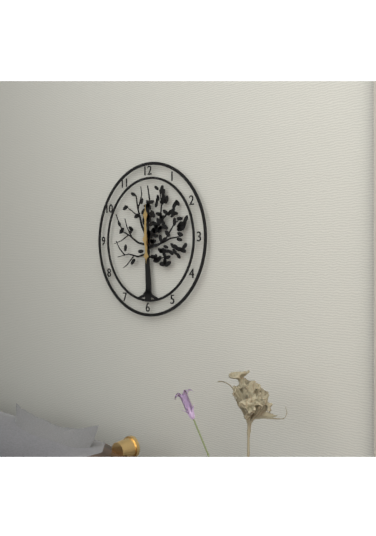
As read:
6 h 00 min
